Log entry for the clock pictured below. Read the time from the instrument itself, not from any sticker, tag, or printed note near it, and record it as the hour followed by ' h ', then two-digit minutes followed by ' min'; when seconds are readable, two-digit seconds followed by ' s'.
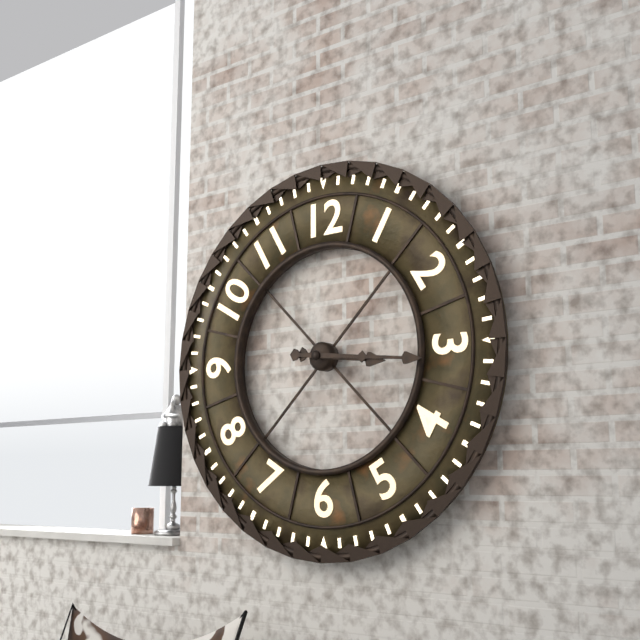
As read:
3 h 16 min
